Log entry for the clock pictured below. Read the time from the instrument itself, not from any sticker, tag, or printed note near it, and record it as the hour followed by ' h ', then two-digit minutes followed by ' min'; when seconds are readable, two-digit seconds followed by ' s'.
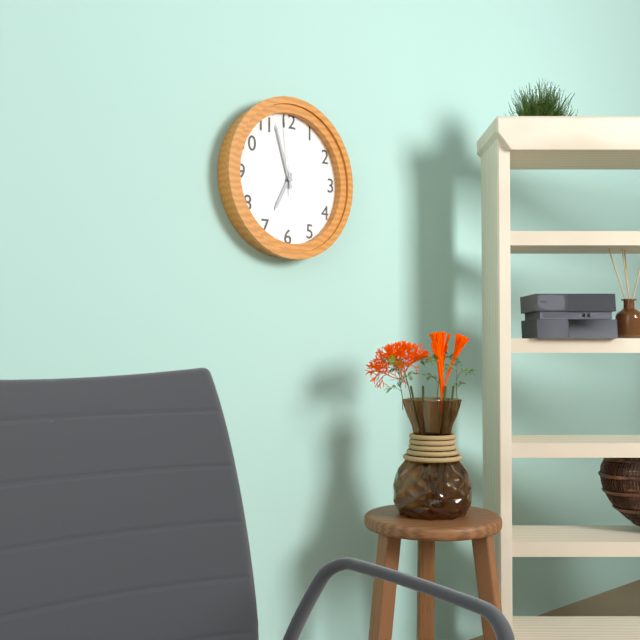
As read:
6 h 57 min 59 s
